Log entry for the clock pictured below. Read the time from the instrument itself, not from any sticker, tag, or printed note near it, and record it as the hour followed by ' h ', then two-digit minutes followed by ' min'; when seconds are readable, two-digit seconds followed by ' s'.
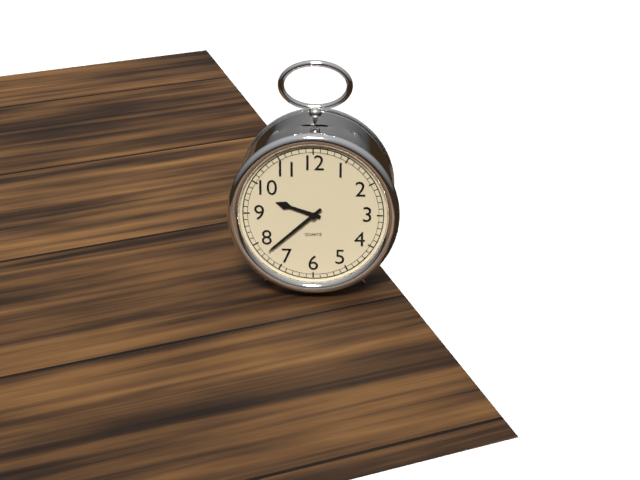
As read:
9 h 38 min
